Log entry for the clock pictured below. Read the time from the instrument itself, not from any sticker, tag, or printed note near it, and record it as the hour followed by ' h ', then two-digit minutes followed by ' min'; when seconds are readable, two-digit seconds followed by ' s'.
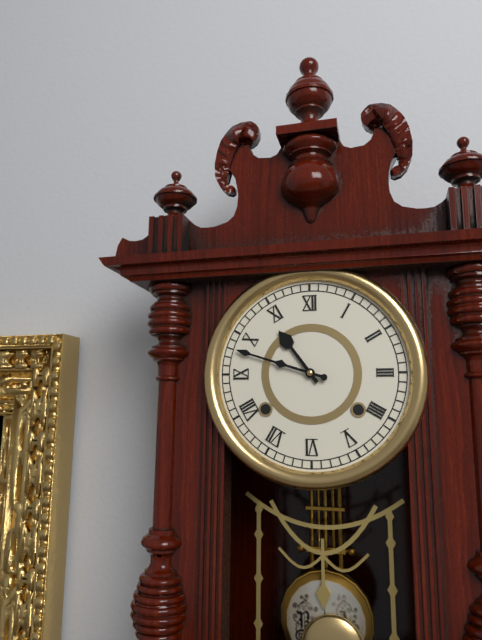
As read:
10 h 48 min
